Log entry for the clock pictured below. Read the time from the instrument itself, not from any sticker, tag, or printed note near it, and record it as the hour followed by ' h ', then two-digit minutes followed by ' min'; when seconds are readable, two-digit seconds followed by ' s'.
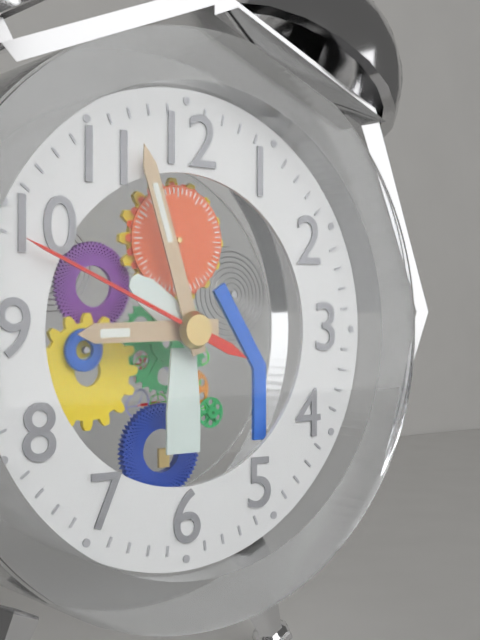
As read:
8 h 57 min 49 s
